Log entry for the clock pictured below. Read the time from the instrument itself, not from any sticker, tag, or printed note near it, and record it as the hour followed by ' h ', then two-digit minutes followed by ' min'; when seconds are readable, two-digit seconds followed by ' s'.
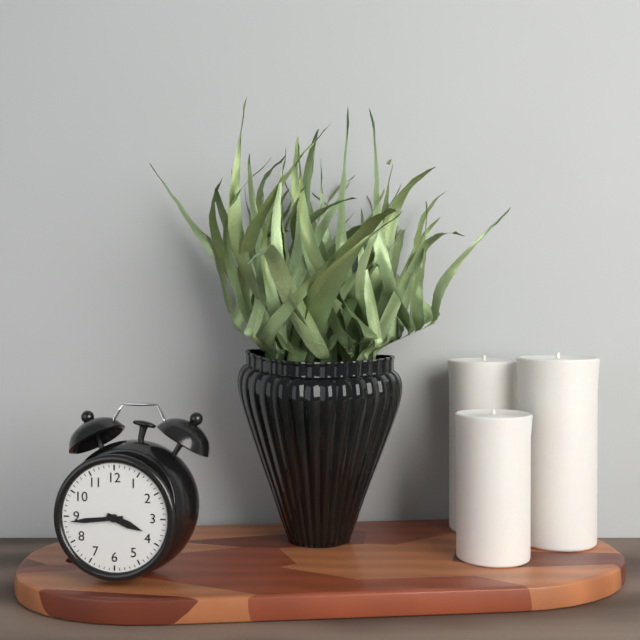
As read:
3 h 44 min
